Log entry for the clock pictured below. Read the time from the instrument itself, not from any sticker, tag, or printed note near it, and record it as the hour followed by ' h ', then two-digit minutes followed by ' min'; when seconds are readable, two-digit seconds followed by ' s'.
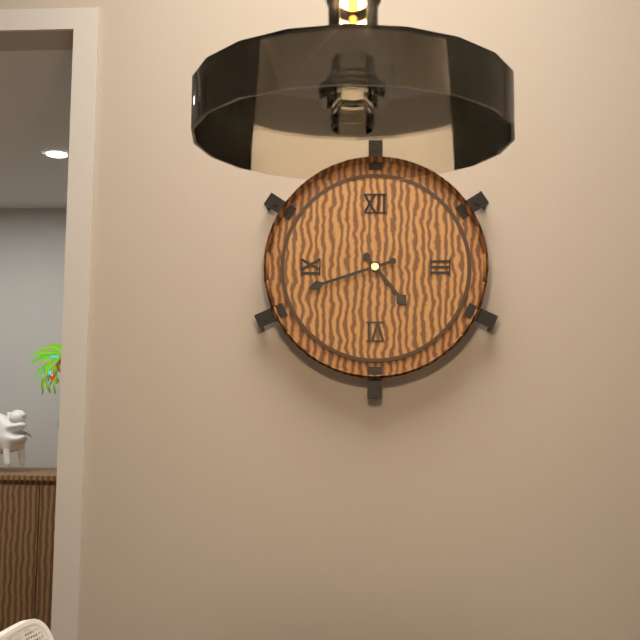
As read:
4 h 42 min
